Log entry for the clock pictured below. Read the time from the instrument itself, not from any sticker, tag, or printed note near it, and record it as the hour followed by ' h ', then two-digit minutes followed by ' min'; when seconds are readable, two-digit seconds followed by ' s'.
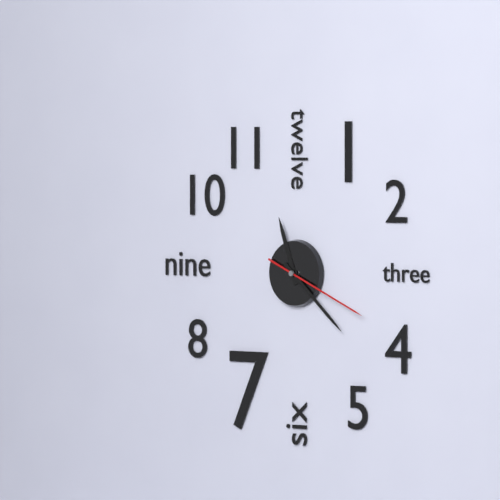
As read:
11 h 22 min 19 s
